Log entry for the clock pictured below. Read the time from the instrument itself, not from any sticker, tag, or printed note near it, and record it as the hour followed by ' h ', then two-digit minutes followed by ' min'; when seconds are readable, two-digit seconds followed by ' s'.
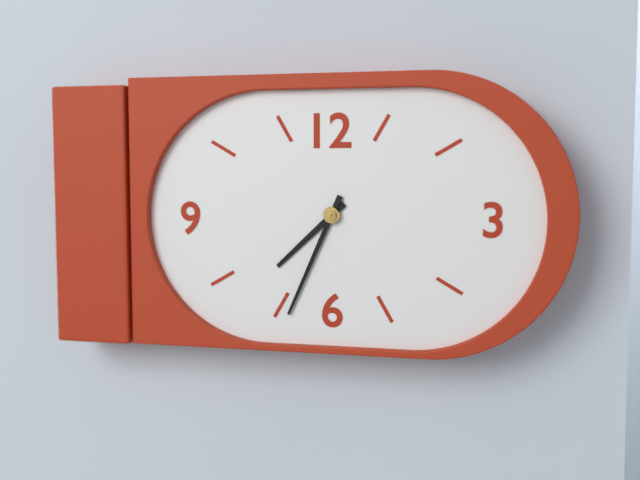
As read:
7 h 34 min
